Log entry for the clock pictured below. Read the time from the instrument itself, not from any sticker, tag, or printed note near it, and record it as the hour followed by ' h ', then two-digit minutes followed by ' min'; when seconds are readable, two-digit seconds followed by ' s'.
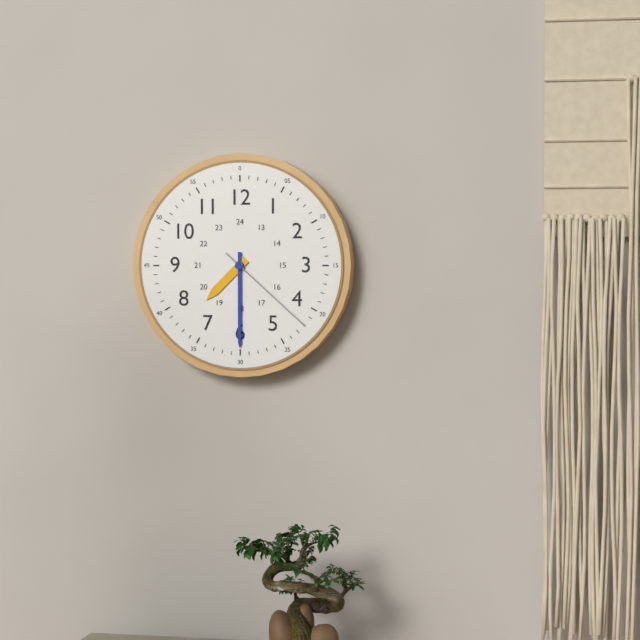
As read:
7 h 30 min 22 s
